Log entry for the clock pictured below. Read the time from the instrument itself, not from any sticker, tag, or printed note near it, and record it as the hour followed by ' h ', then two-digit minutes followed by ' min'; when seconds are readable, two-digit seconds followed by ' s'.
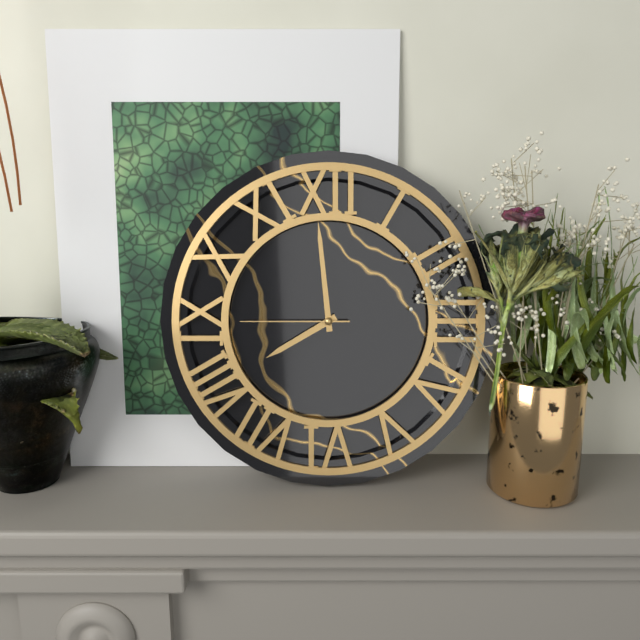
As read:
7 h 59 min 45 s
